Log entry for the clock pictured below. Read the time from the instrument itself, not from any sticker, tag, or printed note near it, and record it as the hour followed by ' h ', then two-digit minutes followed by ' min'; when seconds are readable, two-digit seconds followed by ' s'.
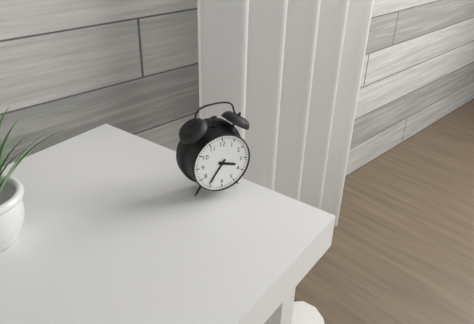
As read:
3 h 36 min
